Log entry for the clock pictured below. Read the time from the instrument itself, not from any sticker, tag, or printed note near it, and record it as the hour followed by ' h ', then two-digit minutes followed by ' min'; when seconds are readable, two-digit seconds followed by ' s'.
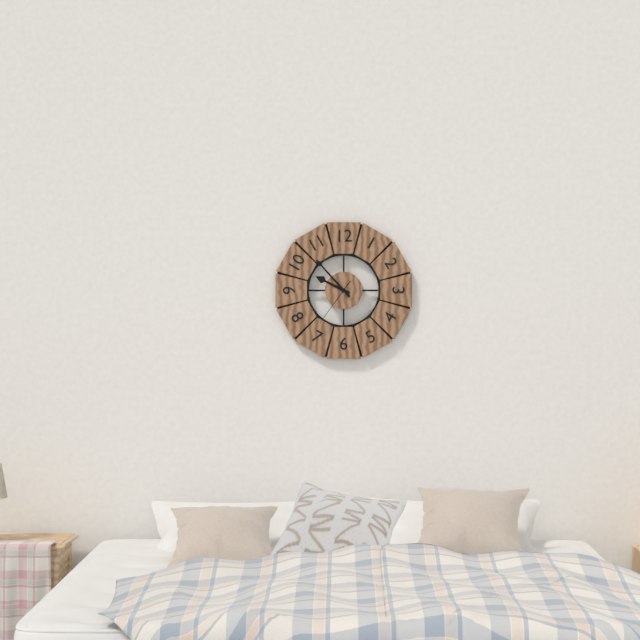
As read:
9 h 53 min 36 s
